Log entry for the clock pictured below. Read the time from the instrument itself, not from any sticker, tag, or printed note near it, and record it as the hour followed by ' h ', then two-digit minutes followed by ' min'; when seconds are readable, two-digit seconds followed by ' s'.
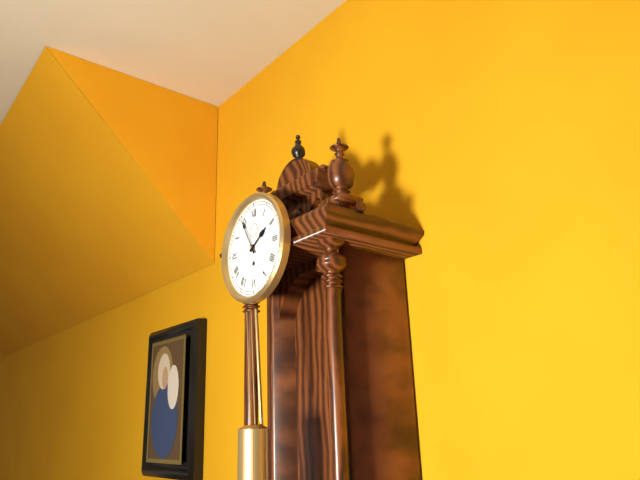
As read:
1 h 55 min
